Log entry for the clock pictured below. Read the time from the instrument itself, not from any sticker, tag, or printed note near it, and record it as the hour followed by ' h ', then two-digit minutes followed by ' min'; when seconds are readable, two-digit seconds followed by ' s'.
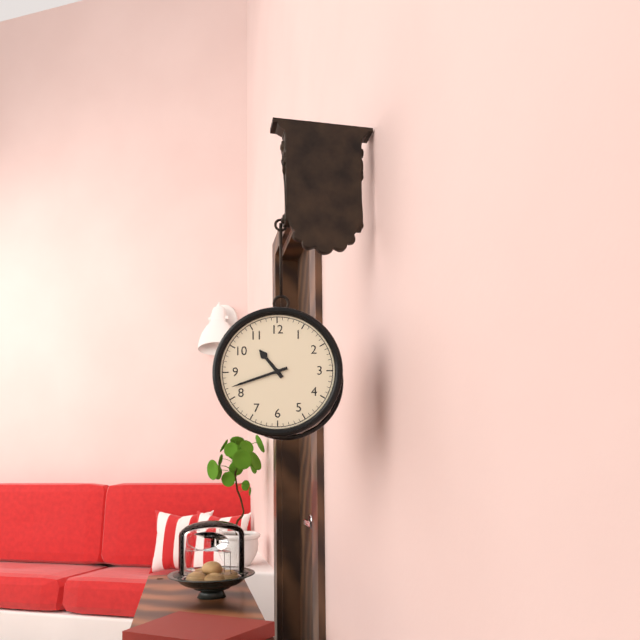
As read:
10 h 42 min
